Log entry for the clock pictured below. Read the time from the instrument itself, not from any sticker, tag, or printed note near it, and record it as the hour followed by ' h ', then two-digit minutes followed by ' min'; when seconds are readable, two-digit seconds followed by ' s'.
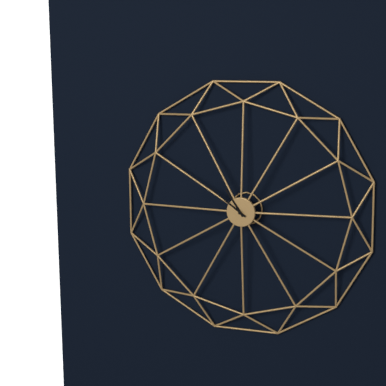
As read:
10 h 51 min
